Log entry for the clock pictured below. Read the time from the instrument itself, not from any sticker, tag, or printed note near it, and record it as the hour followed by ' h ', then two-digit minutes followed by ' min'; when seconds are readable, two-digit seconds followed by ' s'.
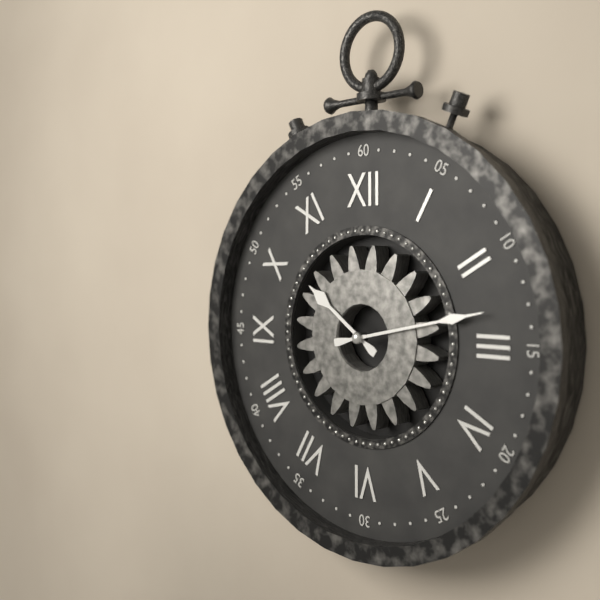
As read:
10 h 13 min
